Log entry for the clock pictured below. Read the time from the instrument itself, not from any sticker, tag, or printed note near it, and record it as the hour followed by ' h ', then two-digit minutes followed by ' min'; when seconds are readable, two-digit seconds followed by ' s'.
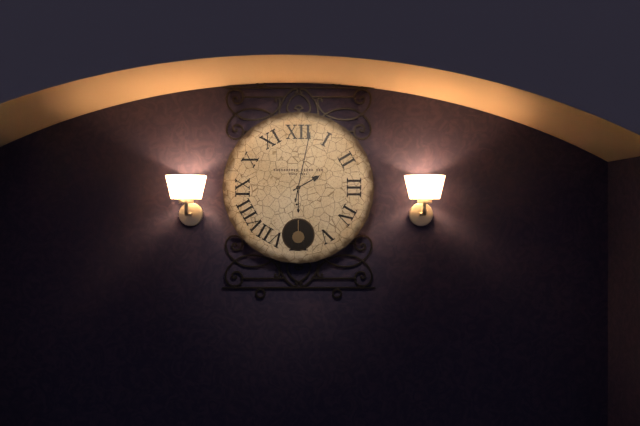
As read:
2 h 02 min
